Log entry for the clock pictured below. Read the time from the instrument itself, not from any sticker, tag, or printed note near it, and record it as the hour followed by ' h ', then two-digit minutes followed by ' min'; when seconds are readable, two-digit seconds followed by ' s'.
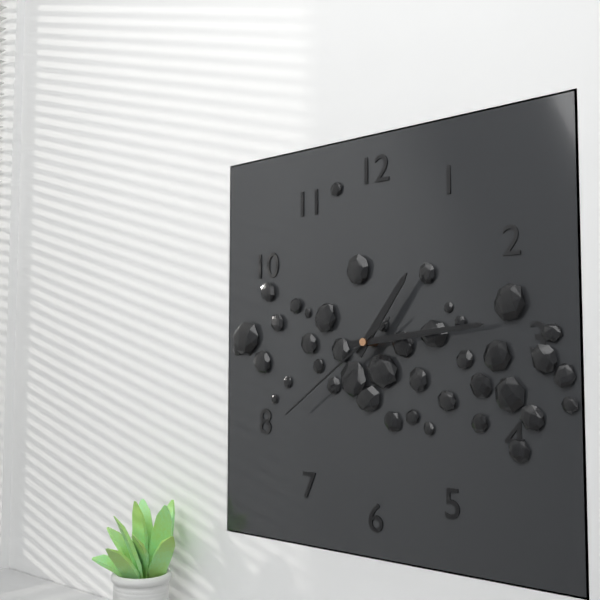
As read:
1 h 14 min 39 s
